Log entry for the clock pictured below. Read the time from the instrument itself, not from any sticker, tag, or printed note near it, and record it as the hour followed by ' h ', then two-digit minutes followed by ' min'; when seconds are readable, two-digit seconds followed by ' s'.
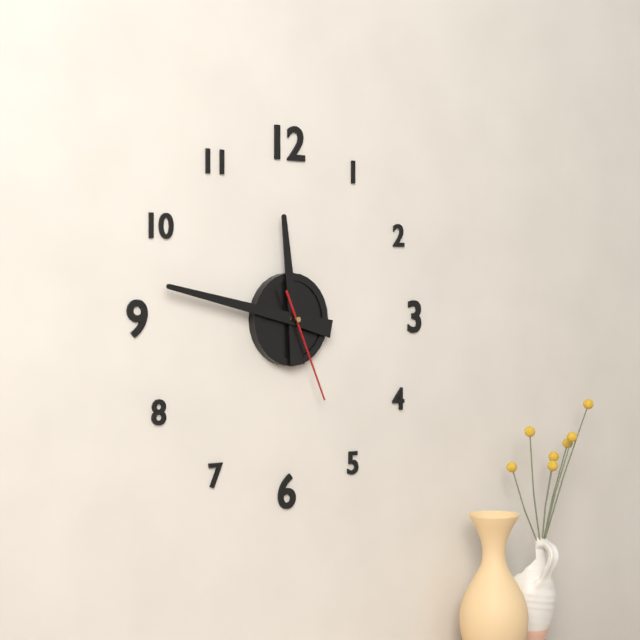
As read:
11 h 47 min 26 s
